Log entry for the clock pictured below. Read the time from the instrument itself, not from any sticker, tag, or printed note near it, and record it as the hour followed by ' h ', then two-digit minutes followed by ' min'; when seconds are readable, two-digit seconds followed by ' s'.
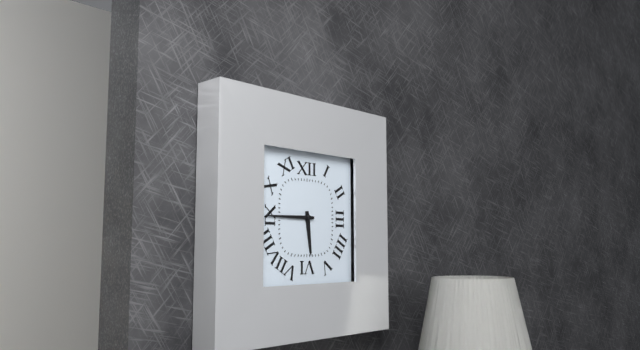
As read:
5 h 45 min
